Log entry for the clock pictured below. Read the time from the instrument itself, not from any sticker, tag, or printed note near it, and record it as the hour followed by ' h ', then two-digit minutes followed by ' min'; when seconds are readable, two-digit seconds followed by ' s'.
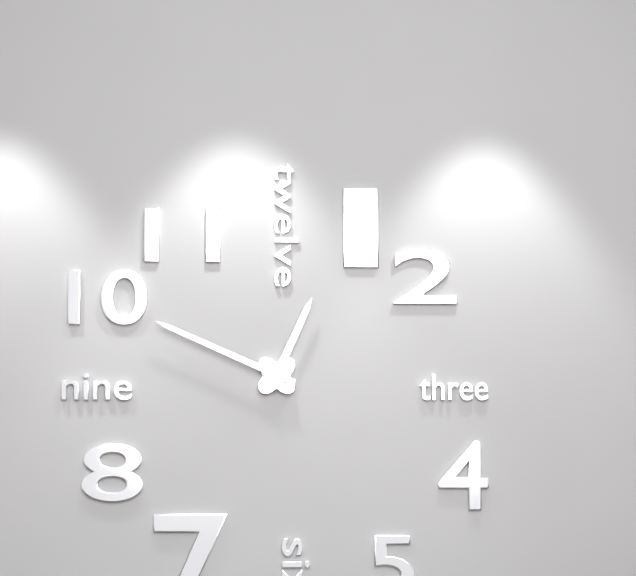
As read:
12 h 49 min
